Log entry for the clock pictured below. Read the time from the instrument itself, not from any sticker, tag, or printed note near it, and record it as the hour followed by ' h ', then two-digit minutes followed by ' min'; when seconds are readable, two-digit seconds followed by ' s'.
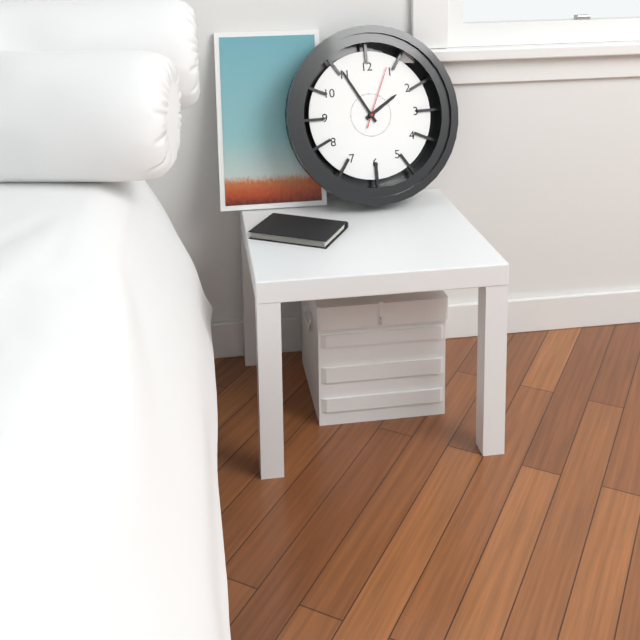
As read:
1 h 55 min 04 s
